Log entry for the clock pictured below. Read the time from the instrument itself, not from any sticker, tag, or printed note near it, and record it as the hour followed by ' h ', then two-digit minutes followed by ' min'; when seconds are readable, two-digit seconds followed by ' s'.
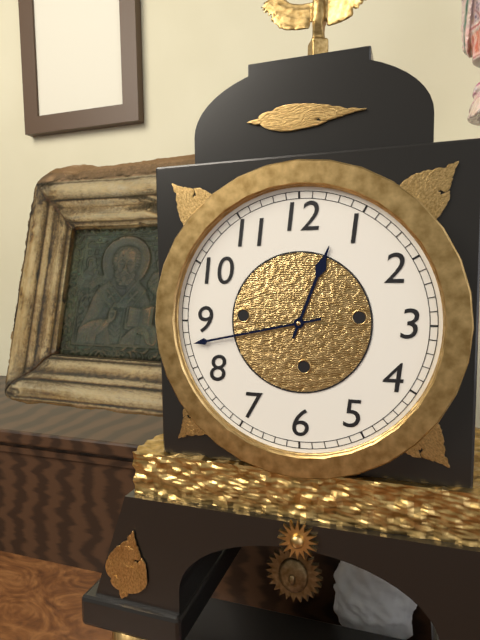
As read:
12 h 43 min
